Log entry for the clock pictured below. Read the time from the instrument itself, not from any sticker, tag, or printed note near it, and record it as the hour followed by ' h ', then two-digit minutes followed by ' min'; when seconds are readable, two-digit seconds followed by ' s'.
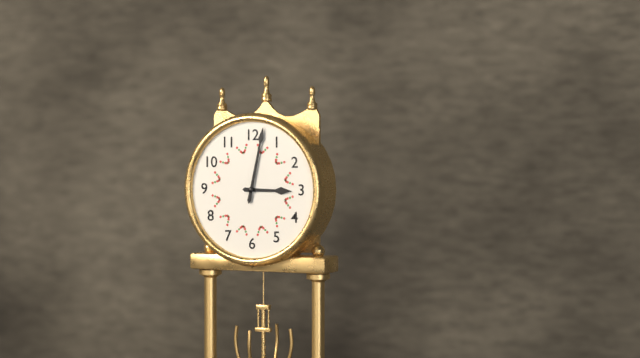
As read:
3 h 02 min
